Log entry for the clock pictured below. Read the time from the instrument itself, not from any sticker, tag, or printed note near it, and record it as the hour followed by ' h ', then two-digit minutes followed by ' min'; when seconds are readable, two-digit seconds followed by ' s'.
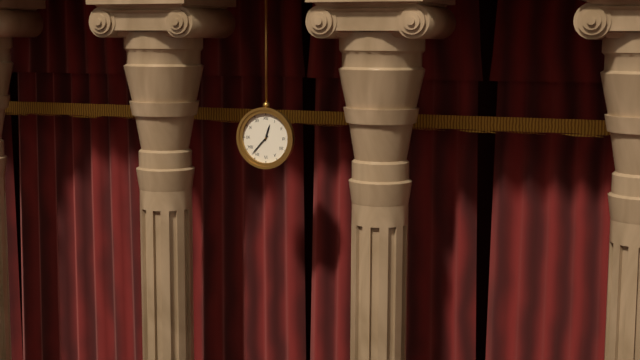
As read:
12 h 37 min
